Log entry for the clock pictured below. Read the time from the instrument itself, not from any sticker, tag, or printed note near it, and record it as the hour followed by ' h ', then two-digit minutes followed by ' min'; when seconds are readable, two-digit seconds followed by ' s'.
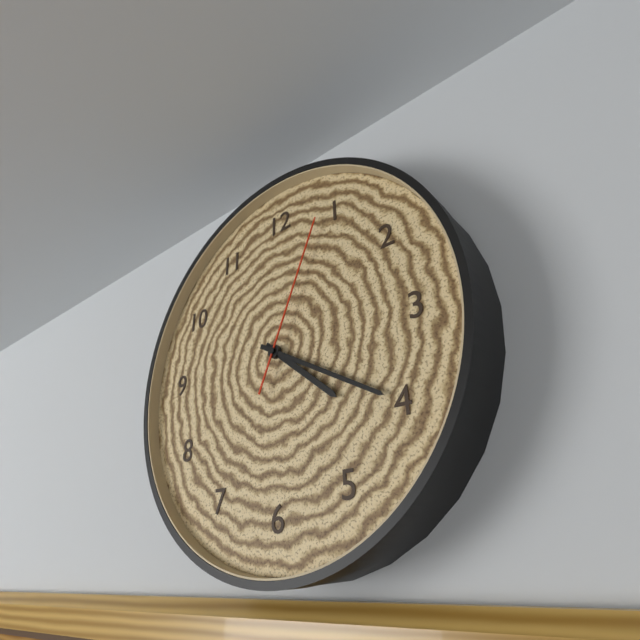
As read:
4 h 20 min 04 s
